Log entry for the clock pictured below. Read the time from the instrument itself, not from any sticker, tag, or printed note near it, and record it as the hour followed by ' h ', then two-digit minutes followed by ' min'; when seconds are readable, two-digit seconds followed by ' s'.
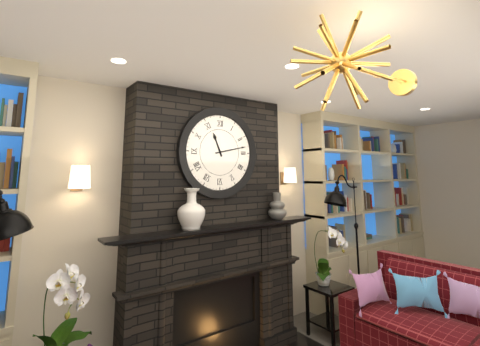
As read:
11 h 13 min
